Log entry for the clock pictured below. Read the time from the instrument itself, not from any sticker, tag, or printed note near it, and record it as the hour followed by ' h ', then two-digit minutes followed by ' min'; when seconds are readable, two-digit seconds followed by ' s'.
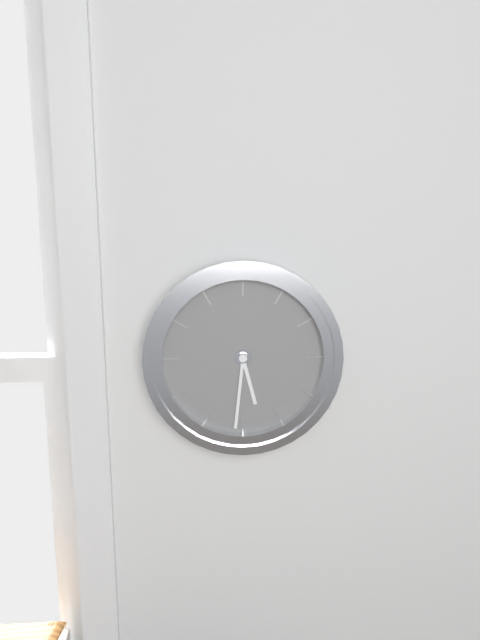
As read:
5 h 31 min
